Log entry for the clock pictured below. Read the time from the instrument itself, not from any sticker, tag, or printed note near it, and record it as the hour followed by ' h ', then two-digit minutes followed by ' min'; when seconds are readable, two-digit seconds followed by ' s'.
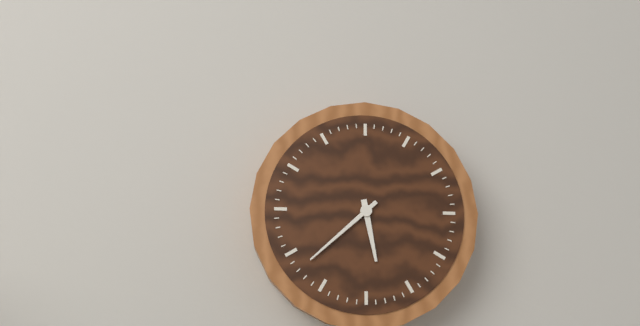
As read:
5 h 38 min
